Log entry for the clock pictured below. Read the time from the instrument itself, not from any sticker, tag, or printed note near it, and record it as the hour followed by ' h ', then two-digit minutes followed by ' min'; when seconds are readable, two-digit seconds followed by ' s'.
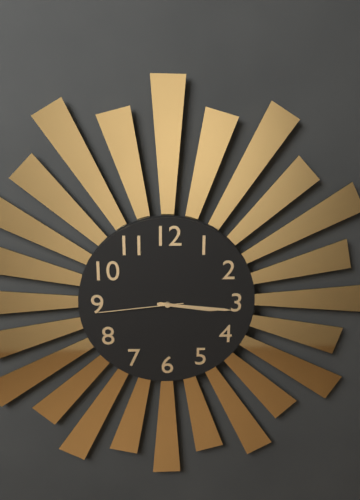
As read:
3 h 16 min 44 s
